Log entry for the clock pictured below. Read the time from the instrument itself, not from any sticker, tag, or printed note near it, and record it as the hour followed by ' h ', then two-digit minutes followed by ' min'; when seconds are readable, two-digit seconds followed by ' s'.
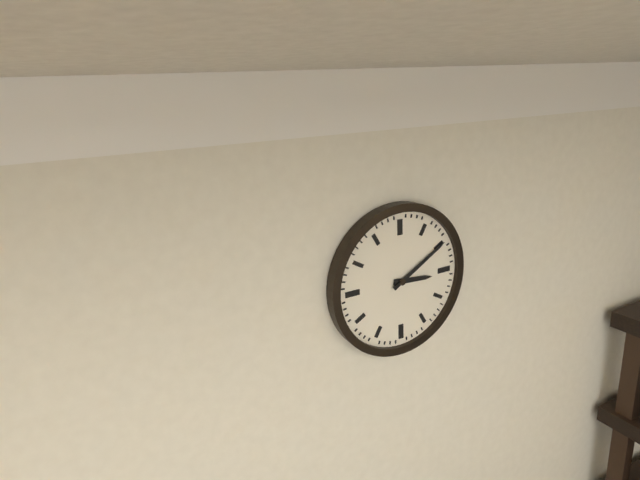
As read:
3 h 10 min
